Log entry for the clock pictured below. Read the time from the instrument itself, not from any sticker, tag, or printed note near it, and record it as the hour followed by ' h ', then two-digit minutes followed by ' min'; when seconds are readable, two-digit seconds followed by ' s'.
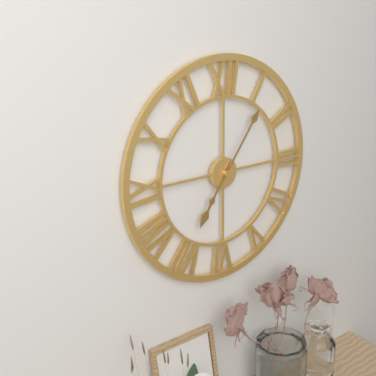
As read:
7 h 06 min
